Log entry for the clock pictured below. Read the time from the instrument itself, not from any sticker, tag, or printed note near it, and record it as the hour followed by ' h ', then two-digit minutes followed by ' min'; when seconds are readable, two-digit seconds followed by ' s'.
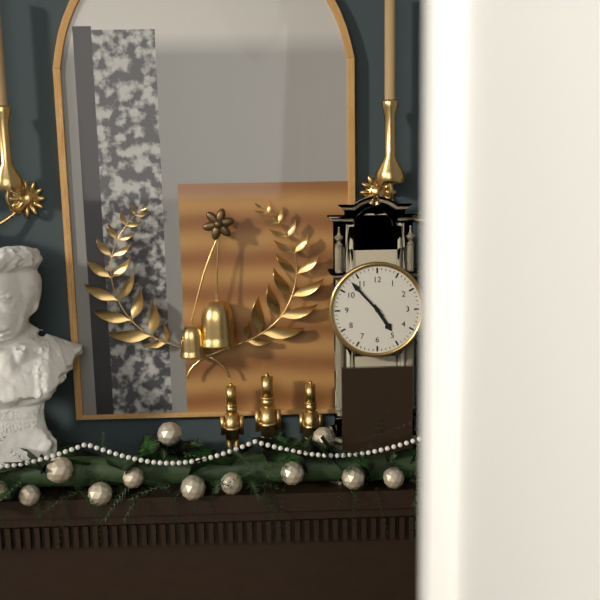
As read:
4 h 53 min
